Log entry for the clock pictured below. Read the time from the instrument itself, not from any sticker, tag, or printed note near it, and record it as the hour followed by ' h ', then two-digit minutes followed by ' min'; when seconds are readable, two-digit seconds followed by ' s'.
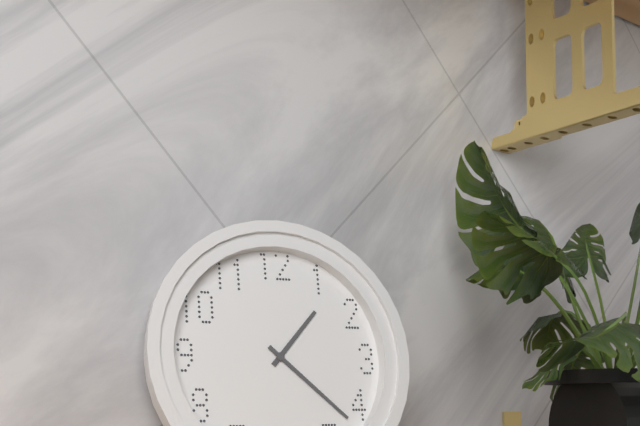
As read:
1 h 22 min
